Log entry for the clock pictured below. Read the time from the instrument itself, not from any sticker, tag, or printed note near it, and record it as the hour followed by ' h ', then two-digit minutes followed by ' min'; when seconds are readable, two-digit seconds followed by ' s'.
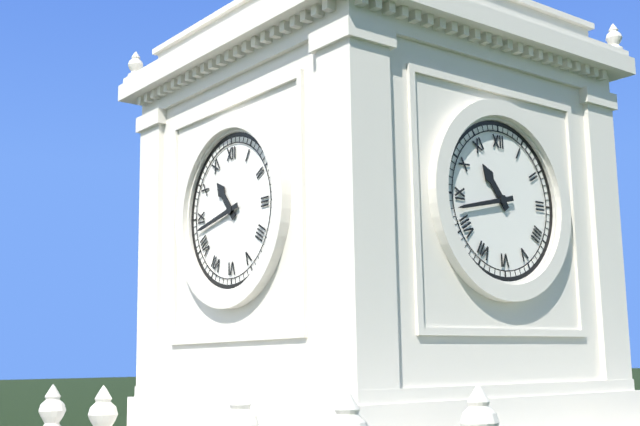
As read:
10 h 43 min
